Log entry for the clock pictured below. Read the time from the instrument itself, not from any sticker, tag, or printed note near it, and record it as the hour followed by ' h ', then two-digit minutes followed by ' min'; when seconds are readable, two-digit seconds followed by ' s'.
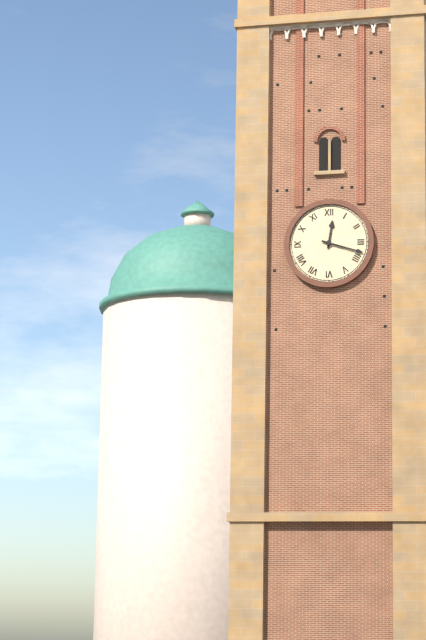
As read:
12 h 18 min
